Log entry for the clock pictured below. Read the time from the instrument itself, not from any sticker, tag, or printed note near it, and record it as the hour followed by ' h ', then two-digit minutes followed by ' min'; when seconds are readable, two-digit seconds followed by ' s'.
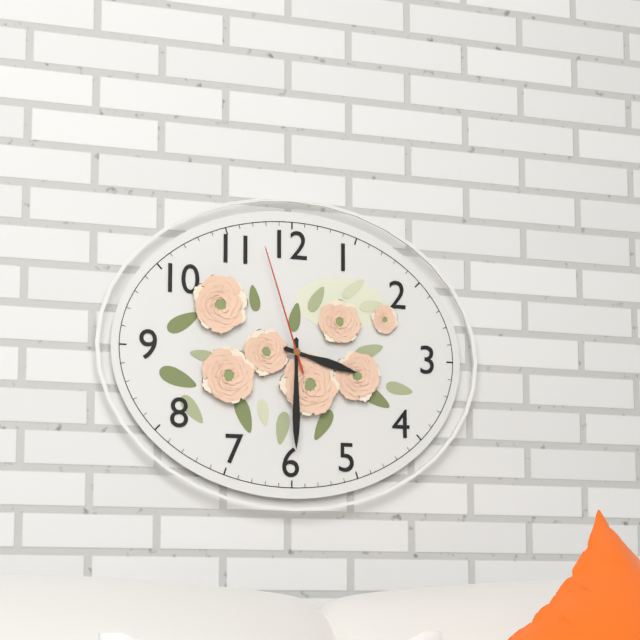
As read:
3 h 30 min 57 s
